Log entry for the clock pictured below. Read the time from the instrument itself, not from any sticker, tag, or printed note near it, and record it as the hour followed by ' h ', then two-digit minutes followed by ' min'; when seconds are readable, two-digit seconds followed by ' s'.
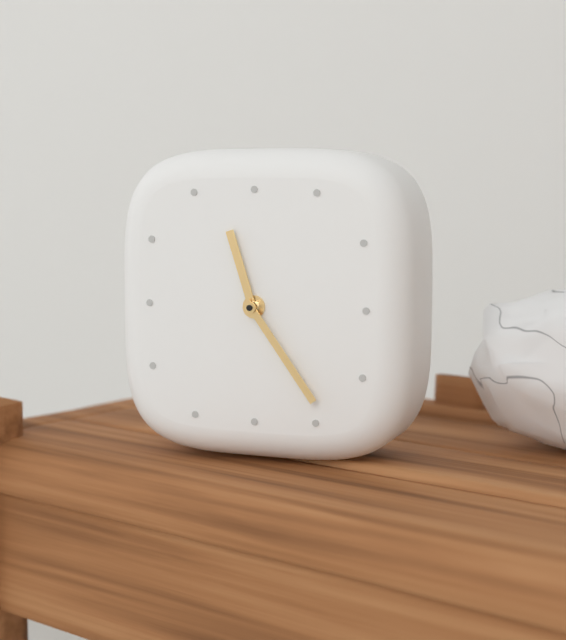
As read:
11 h 24 min
